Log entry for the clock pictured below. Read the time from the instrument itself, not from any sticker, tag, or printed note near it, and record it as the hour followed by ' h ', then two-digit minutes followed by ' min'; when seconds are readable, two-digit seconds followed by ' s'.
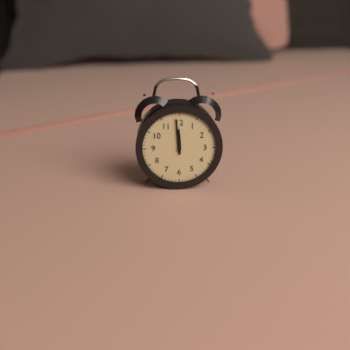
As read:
11 h 59 min
